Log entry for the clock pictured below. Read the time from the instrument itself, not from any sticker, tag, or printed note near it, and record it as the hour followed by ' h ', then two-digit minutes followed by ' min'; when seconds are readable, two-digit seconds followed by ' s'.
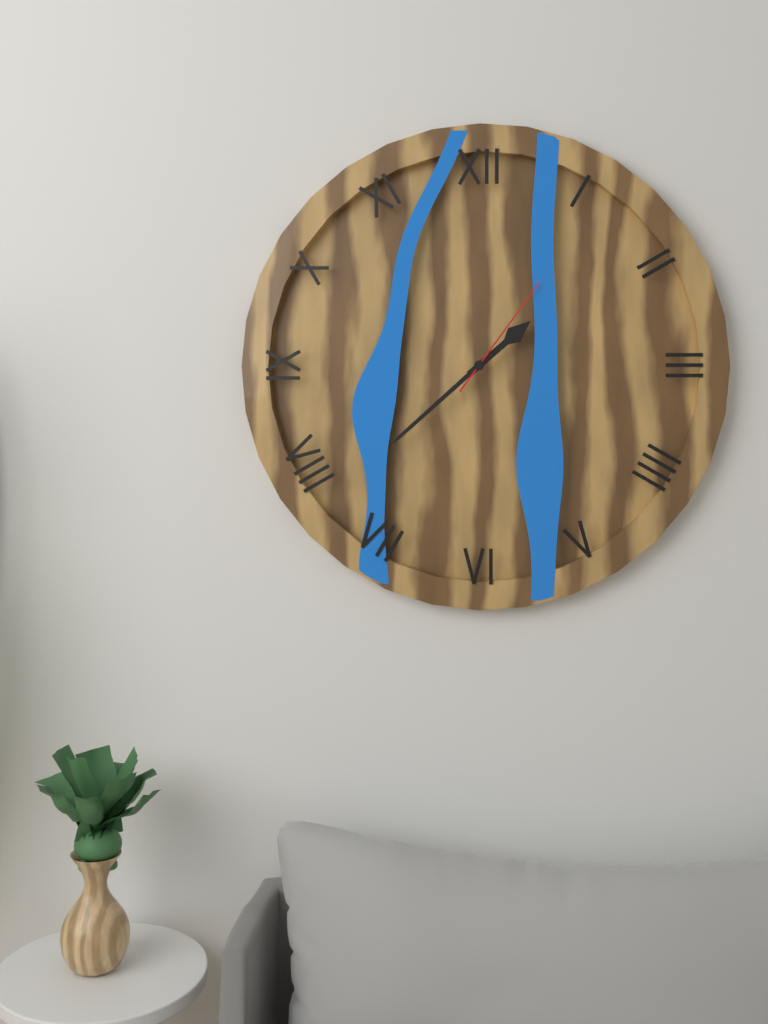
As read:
1 h 38 min 06 s
